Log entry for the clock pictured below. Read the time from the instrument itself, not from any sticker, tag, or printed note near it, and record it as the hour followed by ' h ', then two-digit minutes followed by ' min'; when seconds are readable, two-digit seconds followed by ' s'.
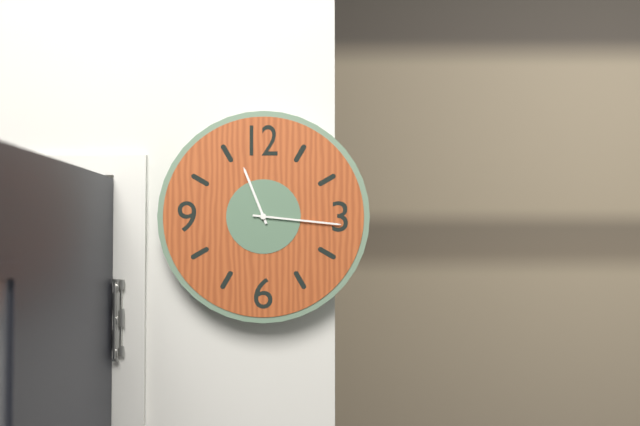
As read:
11 h 16 min
